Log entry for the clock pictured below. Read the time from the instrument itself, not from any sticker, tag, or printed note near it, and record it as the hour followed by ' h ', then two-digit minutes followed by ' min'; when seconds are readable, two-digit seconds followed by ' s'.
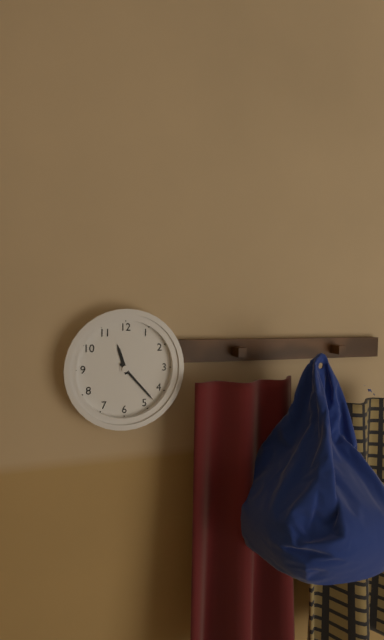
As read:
11 h 23 min
